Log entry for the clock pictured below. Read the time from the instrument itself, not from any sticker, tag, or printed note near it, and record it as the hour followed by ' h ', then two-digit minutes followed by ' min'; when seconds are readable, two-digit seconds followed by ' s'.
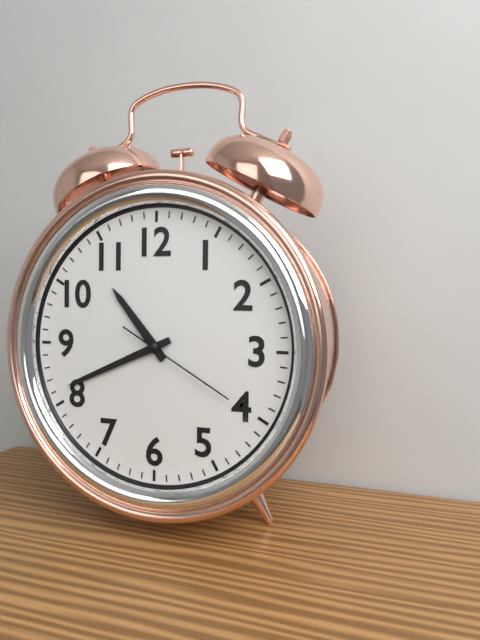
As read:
10 h 41 min 20 s
